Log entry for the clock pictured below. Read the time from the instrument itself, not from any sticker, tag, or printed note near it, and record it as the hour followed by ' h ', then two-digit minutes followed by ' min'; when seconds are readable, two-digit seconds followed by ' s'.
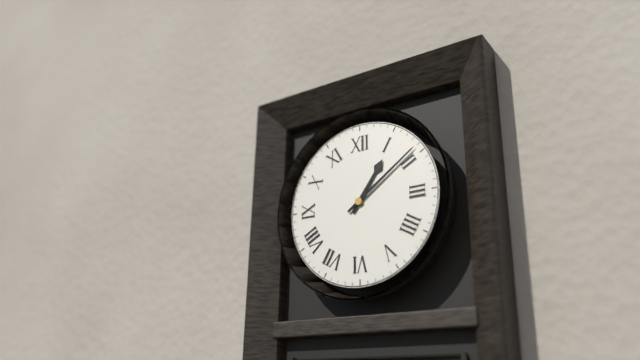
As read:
1 h 09 min
